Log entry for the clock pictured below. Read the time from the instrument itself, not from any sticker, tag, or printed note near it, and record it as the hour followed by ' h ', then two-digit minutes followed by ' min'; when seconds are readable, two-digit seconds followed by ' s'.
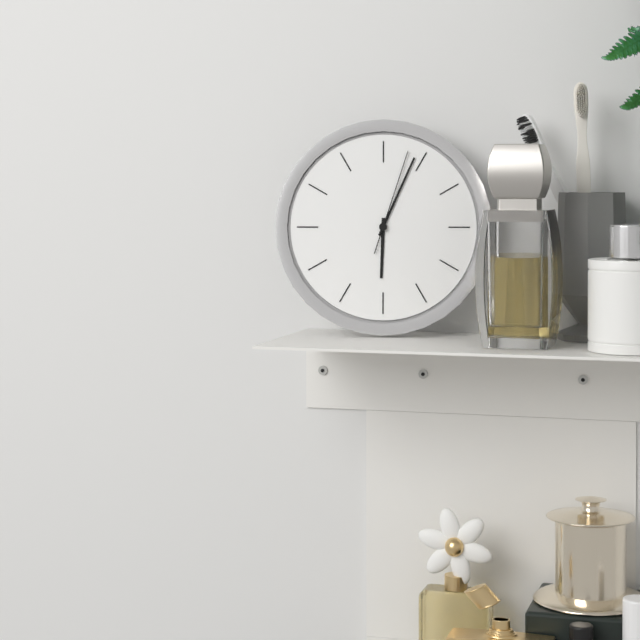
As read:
6 h 04 min 03 s
